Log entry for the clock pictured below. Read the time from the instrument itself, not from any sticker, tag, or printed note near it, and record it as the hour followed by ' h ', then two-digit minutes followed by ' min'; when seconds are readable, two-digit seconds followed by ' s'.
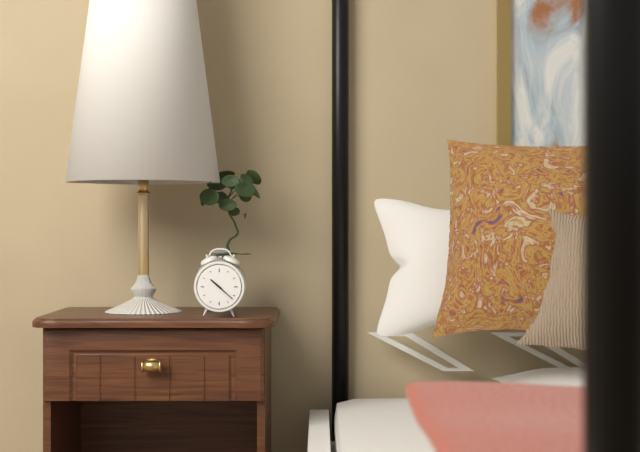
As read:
10 h 22 min
